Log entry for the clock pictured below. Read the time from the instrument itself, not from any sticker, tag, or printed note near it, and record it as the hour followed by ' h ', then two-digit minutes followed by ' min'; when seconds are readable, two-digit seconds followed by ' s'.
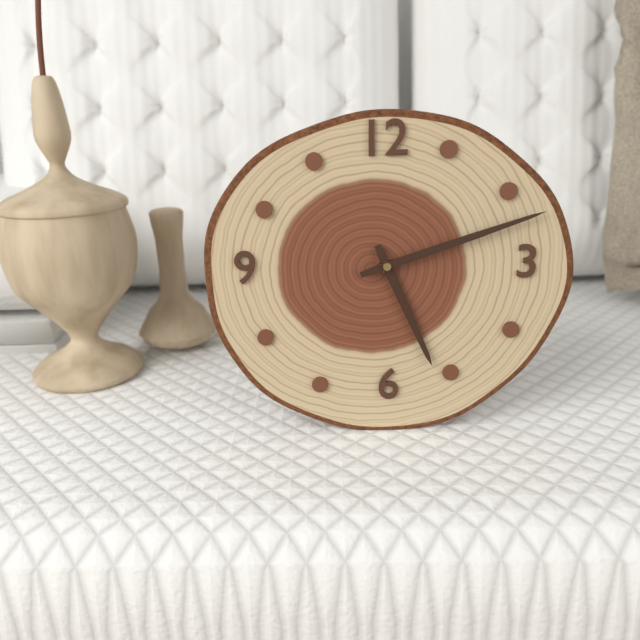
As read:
5 h 12 min
